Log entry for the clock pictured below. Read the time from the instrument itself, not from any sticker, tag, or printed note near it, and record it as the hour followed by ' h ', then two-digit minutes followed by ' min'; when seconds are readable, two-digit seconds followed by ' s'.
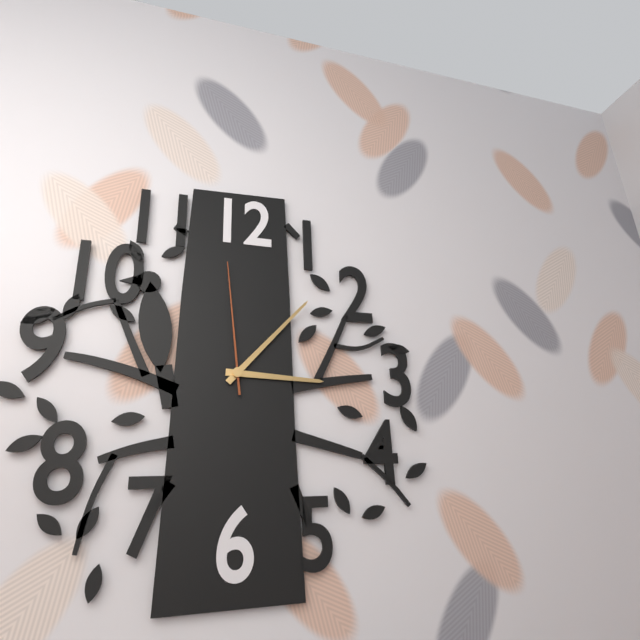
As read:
3 h 07 min 59 s
